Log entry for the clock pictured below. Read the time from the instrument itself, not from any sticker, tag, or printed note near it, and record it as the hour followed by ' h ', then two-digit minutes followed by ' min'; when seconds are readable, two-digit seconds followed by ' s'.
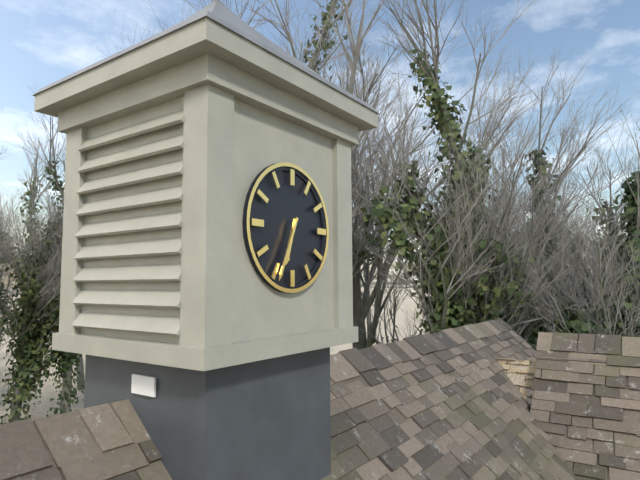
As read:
6 h 34 min
